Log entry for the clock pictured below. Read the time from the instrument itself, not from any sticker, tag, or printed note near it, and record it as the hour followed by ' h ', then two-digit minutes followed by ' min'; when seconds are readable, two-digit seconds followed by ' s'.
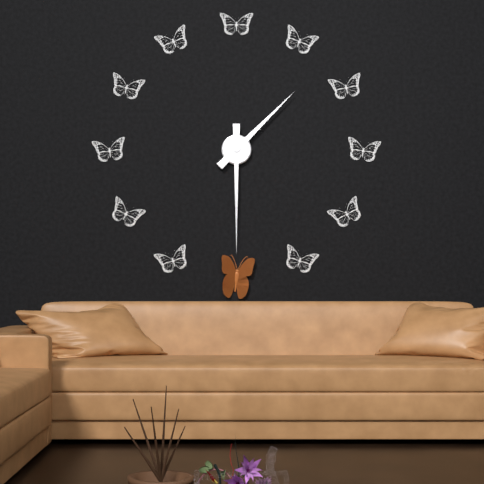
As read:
1 h 30 min
